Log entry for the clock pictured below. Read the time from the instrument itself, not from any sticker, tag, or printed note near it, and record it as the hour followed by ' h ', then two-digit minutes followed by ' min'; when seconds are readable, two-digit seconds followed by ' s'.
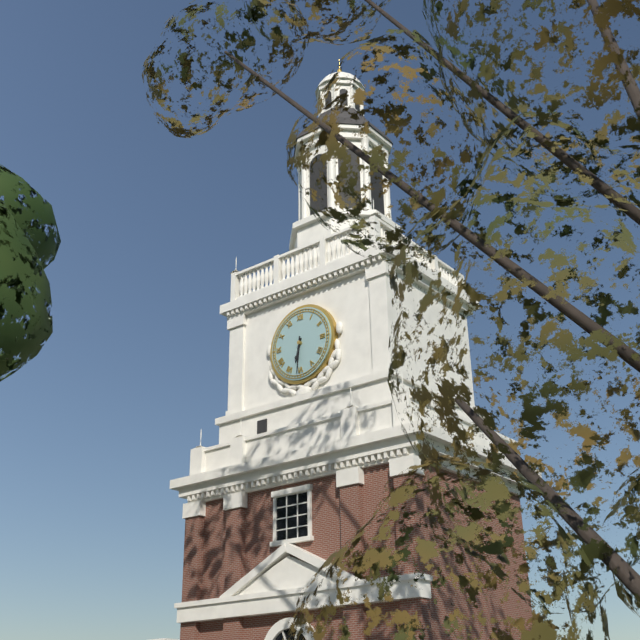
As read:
6 h 31 min
